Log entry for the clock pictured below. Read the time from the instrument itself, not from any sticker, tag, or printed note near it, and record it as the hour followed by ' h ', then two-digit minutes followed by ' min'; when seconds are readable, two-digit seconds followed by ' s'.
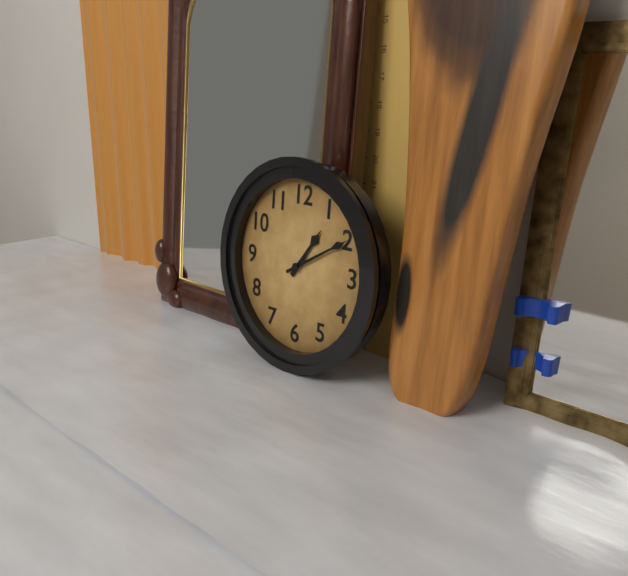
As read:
1 h 10 min
